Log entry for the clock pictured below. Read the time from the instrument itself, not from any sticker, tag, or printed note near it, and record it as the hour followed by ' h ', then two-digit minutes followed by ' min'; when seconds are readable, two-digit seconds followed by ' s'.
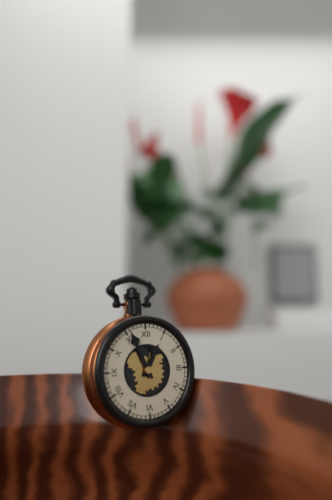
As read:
12 h 56 min
